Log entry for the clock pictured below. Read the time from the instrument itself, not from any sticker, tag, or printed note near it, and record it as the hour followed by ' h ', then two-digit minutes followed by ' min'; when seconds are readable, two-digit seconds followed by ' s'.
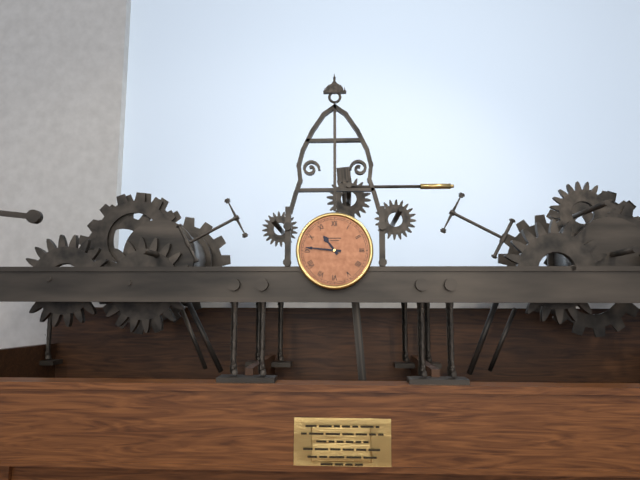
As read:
10 h 46 min
